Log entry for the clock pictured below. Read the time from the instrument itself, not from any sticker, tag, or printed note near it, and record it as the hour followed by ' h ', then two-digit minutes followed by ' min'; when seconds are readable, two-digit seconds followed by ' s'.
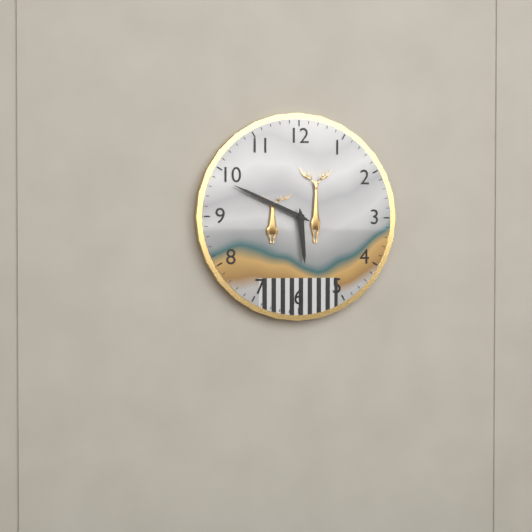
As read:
5 h 49 min
